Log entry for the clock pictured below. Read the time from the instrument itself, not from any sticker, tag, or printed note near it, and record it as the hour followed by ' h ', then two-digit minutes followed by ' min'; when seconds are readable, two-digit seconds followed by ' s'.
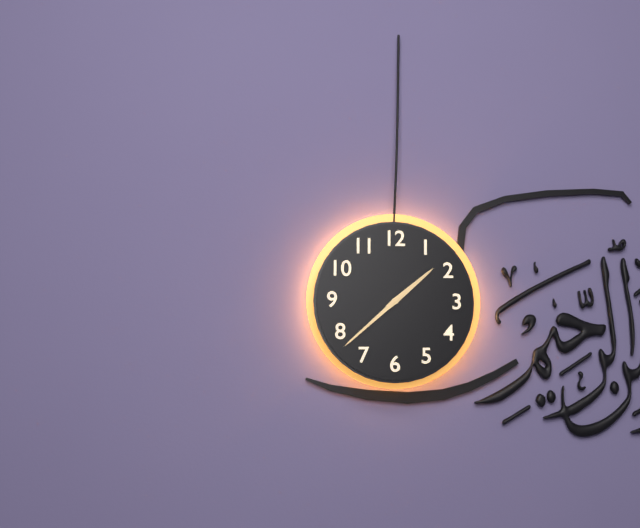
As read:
1 h 38 min
